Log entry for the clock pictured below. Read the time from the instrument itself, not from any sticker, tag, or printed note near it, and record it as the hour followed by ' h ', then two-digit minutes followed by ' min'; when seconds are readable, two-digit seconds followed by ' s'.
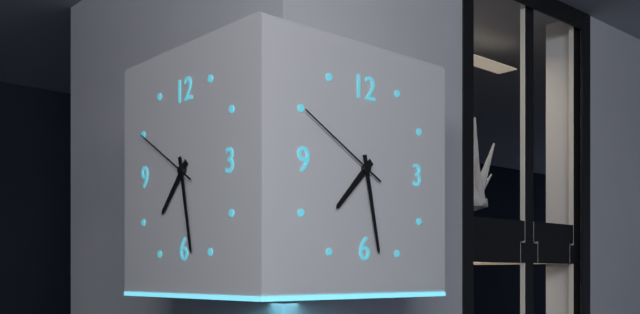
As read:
7 h 28 min 50 s
